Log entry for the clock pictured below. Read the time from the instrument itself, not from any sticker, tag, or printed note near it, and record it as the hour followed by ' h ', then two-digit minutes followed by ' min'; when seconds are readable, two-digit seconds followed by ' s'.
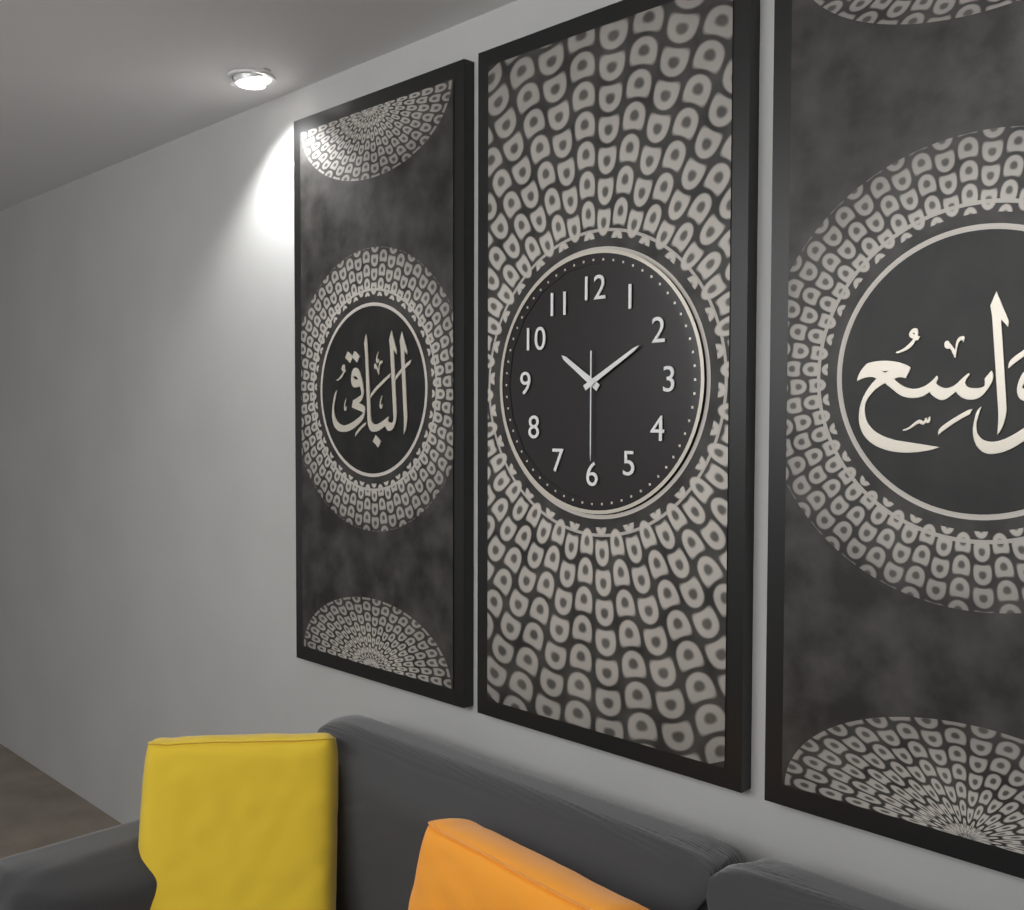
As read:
10 h 10 min 30 s
